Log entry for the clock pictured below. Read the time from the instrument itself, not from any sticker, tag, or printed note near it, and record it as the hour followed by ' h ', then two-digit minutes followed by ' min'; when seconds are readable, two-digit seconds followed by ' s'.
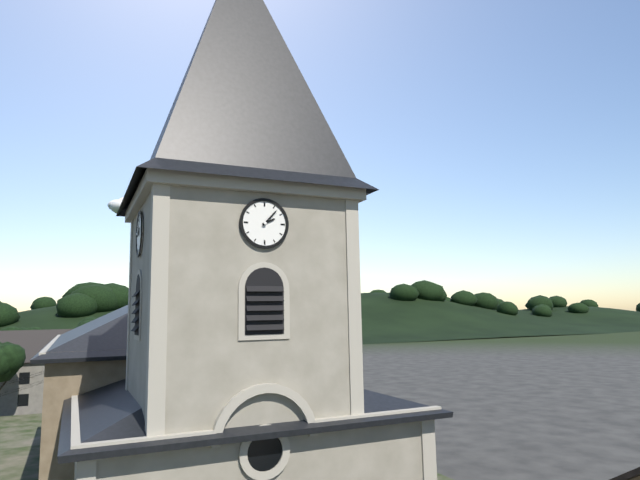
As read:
2 h 07 min
